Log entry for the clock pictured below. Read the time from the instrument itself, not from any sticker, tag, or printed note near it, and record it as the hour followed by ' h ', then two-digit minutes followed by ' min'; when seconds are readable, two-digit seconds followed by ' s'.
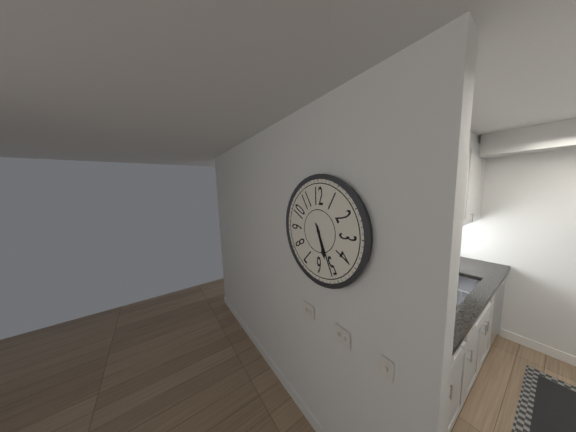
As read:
5 h 26 min
